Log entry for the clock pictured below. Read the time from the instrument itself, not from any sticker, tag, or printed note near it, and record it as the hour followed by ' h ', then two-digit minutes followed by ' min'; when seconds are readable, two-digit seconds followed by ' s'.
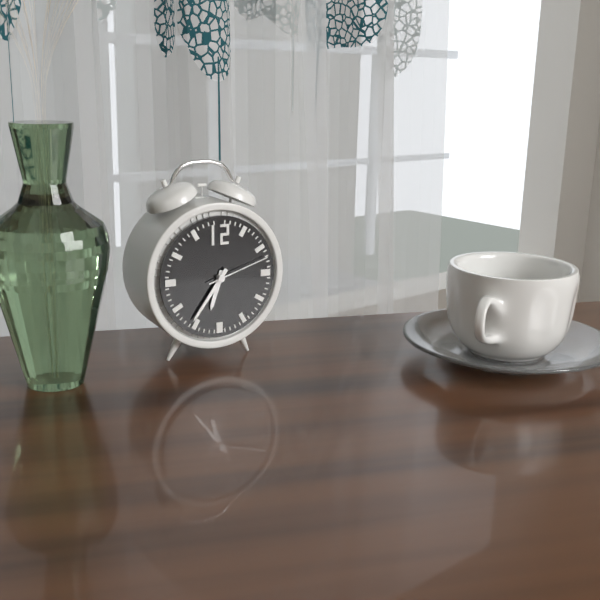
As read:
6 h 36 min 12 s
